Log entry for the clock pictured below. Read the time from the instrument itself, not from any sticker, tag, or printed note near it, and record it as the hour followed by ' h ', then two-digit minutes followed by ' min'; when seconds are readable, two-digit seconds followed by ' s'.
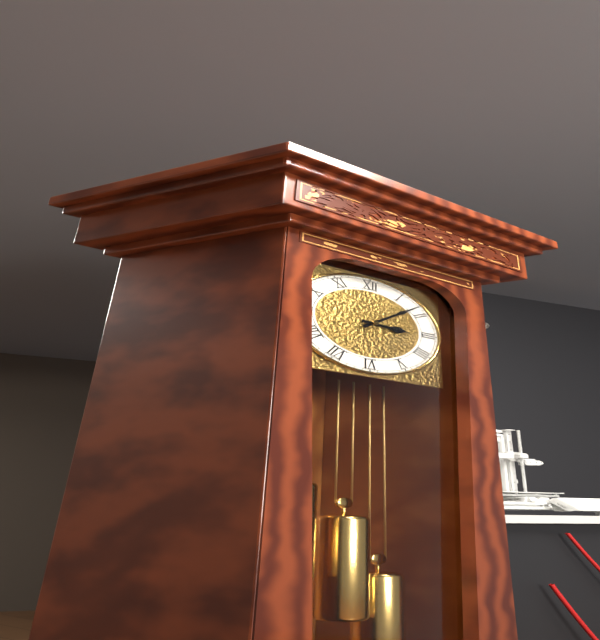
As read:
3 h 08 min
